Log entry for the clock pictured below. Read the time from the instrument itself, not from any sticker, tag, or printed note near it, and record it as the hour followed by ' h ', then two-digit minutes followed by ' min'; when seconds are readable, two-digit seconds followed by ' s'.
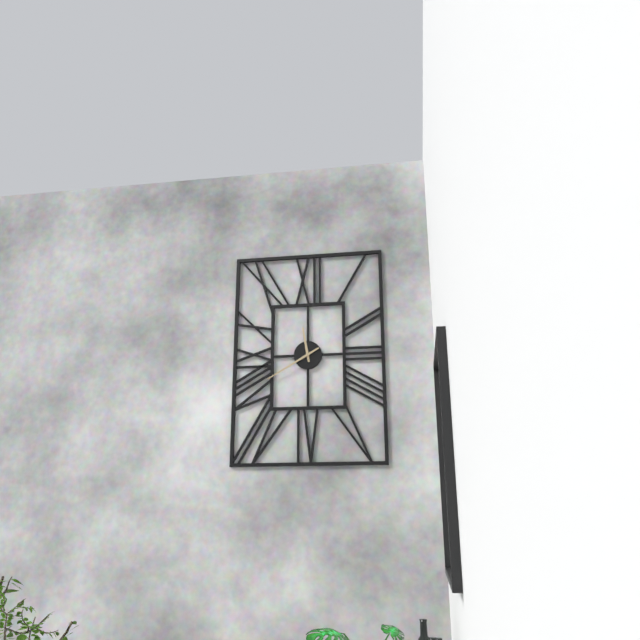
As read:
11 h 40 min
